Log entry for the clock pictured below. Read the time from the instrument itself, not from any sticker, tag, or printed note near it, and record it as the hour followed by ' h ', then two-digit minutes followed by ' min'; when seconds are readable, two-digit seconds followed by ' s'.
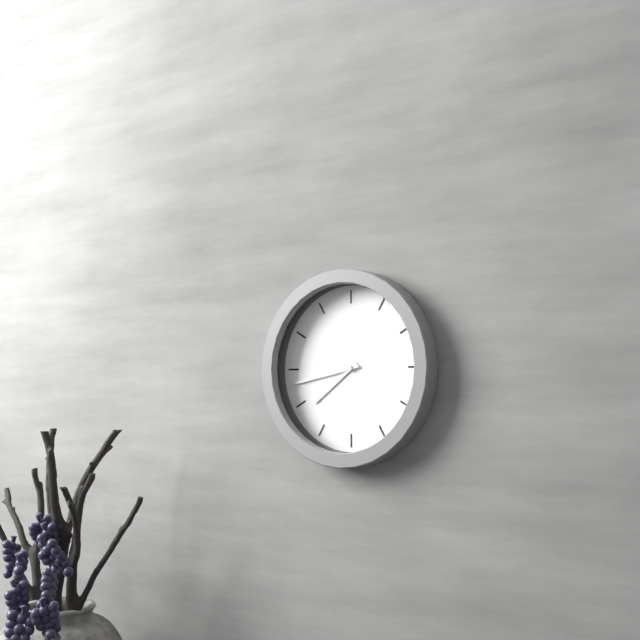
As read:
7 h 43 min
